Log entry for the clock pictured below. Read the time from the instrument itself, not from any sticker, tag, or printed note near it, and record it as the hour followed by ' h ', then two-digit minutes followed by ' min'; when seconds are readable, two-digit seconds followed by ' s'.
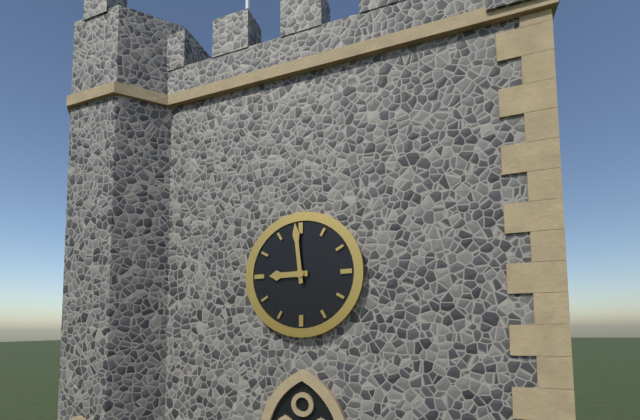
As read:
8 h 59 min
